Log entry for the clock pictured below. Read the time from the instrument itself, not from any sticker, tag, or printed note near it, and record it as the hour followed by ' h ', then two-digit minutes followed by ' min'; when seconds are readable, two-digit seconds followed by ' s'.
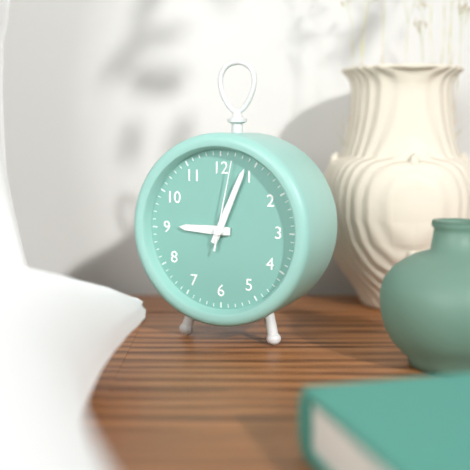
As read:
9 h 04 min 02 s
